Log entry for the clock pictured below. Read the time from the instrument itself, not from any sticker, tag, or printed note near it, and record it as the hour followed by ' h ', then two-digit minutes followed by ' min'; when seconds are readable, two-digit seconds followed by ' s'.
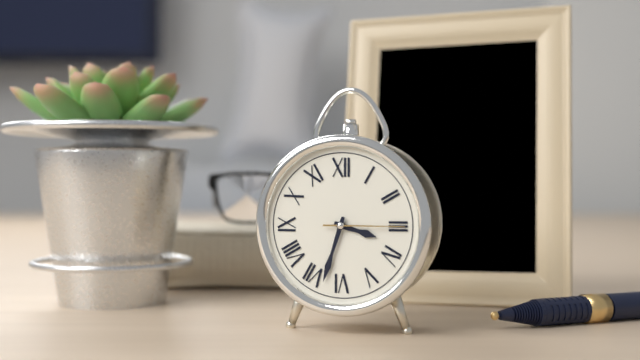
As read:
3 h 33 min 15 s
